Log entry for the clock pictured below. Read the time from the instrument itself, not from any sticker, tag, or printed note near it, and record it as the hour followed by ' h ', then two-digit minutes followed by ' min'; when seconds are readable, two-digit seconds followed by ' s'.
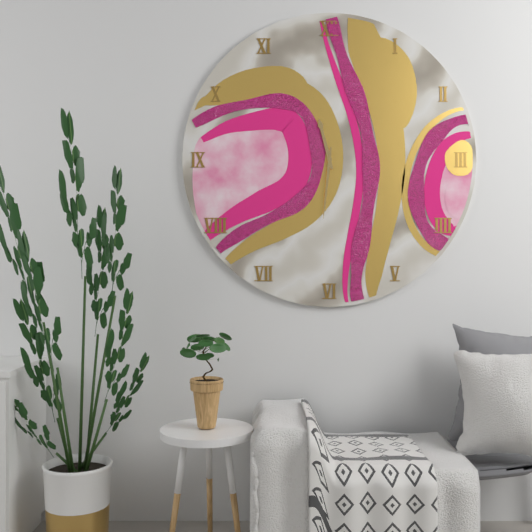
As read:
11 h 31 min
